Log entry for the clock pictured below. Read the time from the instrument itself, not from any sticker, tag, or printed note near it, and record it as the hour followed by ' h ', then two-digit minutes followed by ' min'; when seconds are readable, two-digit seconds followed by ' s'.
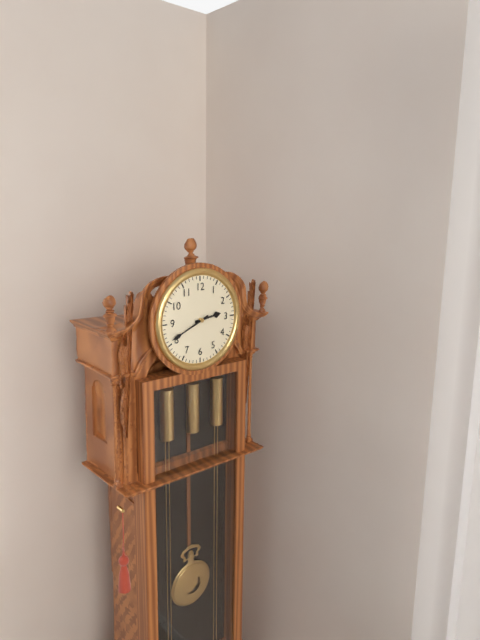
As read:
2 h 41 min
